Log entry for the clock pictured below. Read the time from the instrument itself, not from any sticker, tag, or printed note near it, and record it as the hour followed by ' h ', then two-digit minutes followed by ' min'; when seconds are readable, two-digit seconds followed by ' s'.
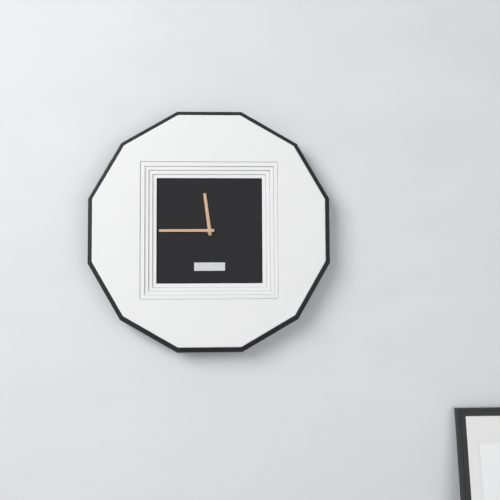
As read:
11 h 45 min
